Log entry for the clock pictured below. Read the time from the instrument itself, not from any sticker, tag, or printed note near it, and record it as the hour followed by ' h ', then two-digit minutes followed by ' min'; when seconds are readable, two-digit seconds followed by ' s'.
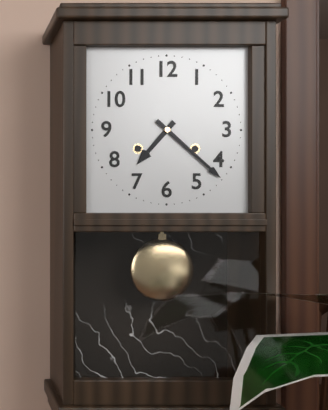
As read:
7 h 22 min
